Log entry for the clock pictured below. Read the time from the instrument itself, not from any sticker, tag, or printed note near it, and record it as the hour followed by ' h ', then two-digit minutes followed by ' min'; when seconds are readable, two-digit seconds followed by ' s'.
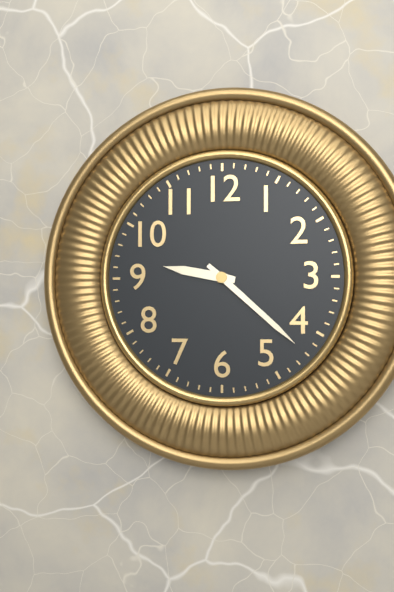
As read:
9 h 22 min
